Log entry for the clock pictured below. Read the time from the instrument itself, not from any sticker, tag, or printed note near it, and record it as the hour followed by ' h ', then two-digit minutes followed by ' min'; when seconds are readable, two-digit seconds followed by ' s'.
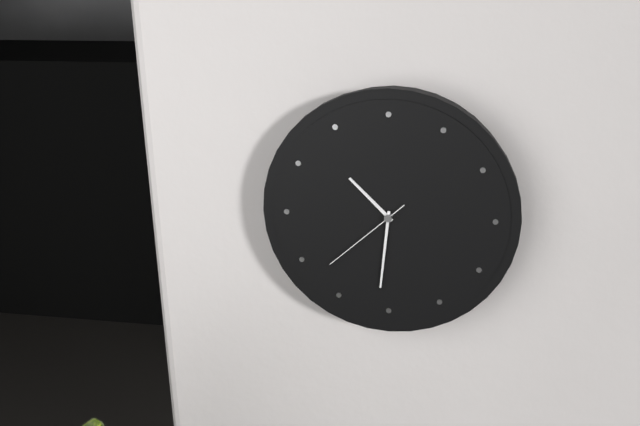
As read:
10 h 31 min 38 s
